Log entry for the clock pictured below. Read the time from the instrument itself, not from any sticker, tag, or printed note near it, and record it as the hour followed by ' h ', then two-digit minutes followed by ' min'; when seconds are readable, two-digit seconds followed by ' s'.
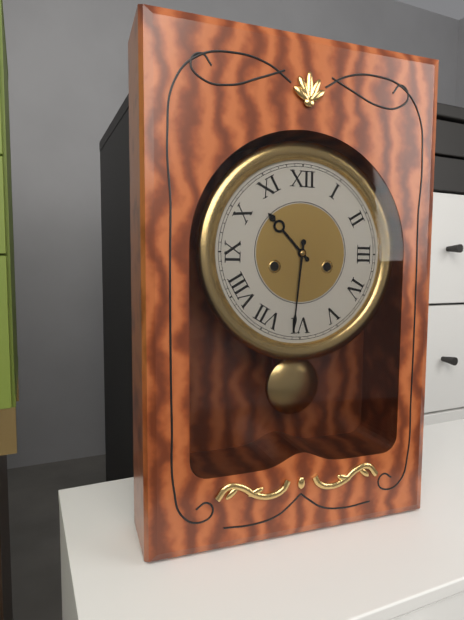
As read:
10 h 31 min
